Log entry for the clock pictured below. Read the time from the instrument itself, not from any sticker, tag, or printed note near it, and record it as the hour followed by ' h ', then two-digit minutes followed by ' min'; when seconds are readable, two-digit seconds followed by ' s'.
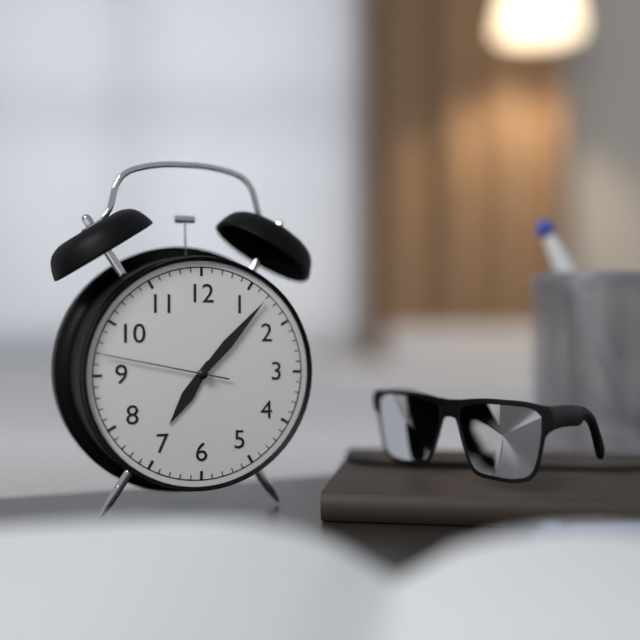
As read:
7 h 07 min 47 s
